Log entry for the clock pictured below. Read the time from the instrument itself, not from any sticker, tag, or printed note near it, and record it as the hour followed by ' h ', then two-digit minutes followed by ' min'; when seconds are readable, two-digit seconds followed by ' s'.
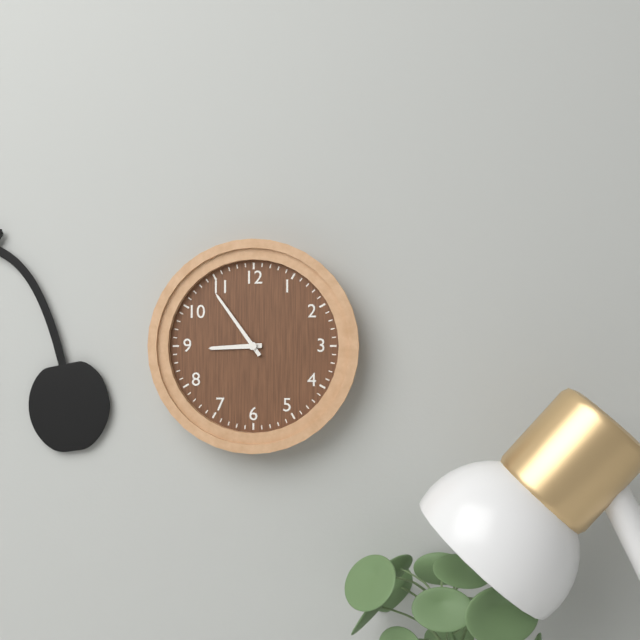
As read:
8 h 54 min
